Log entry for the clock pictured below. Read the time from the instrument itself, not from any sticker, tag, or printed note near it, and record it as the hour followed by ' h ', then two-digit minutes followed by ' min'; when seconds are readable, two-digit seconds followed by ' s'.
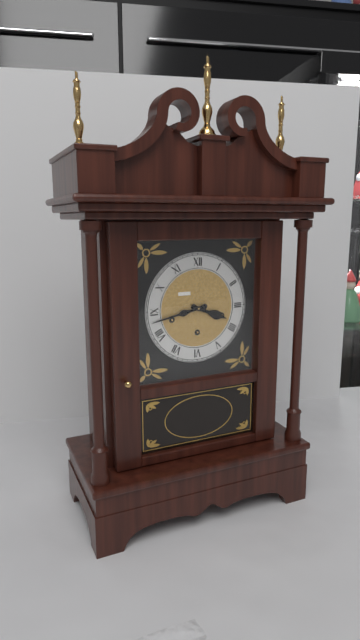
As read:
3 h 43 min
